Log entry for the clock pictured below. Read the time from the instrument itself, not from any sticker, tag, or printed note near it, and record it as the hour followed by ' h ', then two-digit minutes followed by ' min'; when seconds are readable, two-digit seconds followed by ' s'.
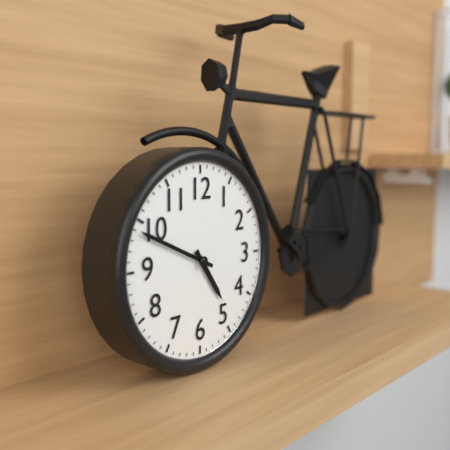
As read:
4 h 49 min
